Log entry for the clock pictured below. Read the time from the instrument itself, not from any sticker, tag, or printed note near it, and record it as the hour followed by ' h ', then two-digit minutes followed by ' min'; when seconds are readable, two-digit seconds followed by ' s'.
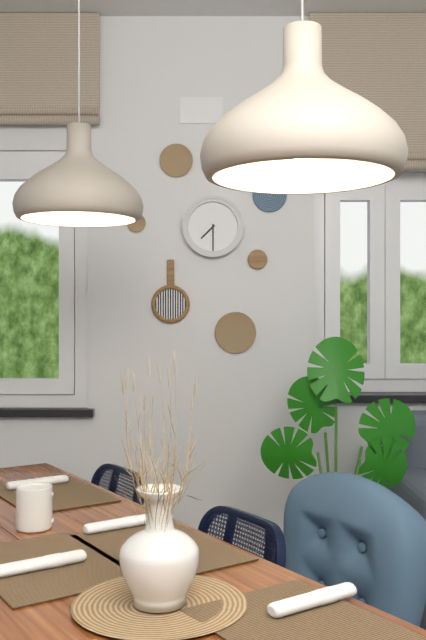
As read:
7 h 30 min
